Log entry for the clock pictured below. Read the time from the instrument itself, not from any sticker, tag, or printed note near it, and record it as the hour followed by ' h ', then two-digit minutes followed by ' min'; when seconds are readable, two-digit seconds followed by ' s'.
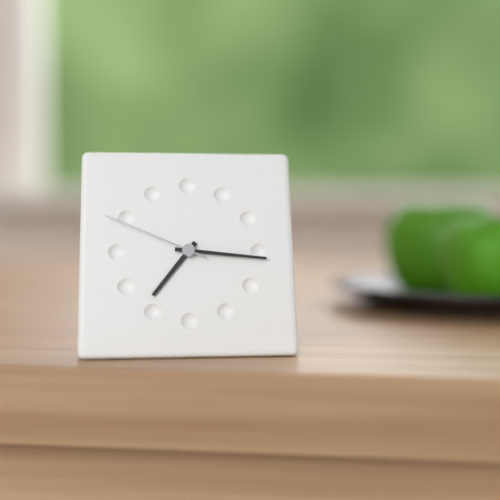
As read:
7 h 16 min 49 s
